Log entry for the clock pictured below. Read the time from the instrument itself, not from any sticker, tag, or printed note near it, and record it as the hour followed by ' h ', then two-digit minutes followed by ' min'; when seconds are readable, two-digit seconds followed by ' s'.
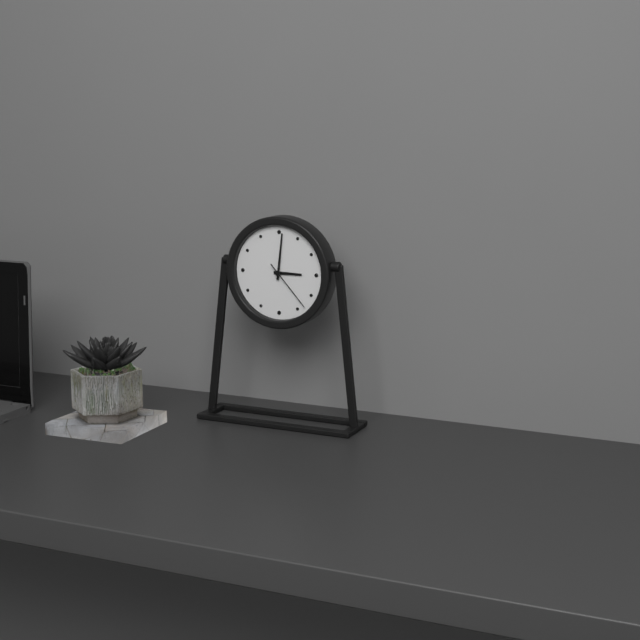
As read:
3 h 01 min 23 s
